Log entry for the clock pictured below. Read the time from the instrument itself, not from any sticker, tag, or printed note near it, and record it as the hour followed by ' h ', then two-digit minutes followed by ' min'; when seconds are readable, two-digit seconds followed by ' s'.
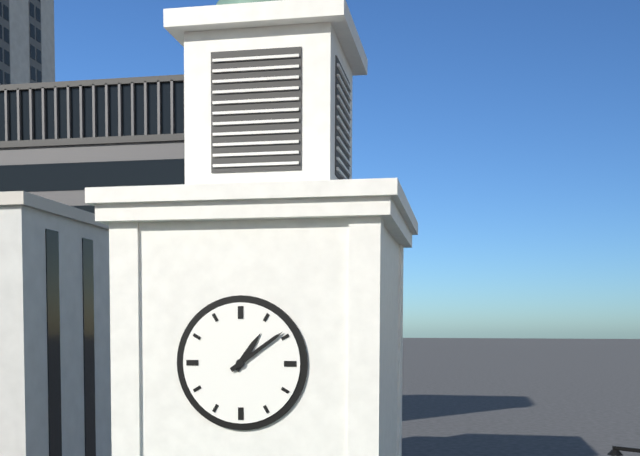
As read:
1 h 09 min
